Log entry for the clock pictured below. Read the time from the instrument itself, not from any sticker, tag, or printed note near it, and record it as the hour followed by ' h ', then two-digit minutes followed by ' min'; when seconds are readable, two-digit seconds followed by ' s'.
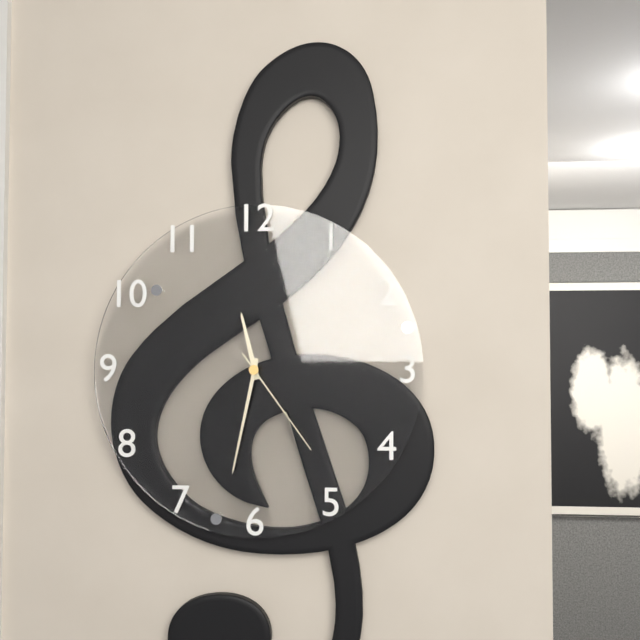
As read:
11 h 32 min 24 s
